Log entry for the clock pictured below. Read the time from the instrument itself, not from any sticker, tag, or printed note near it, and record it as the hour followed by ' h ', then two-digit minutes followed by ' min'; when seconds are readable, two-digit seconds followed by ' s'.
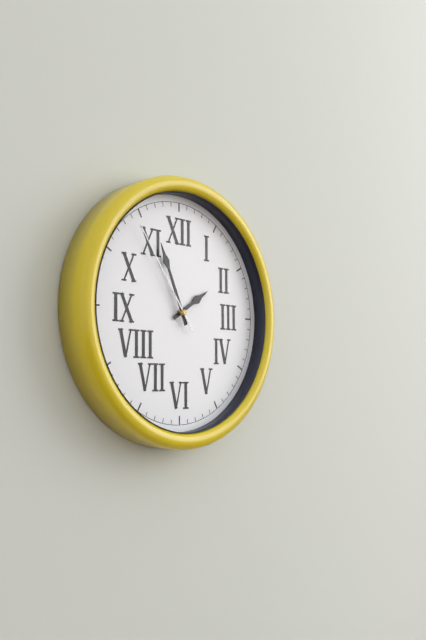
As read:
1 h 56 min 54 s
